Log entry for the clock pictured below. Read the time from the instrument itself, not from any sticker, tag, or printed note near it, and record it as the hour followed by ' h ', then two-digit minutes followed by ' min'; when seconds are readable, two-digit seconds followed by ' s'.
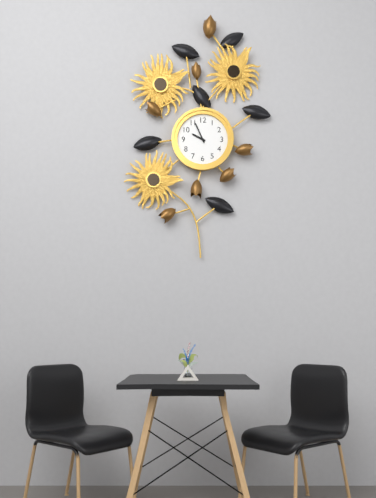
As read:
9 h 56 min
